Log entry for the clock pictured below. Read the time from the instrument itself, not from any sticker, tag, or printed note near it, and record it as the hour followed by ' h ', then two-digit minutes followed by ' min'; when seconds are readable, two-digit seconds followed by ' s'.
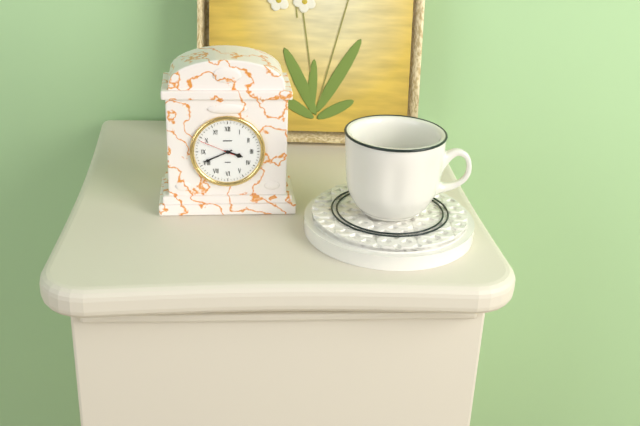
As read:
3 h 41 min
